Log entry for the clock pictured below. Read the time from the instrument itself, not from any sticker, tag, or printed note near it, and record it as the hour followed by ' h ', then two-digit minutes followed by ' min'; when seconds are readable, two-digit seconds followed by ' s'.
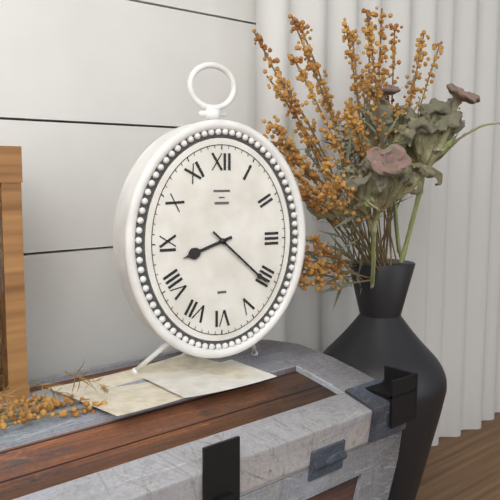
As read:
8 h 22 min
